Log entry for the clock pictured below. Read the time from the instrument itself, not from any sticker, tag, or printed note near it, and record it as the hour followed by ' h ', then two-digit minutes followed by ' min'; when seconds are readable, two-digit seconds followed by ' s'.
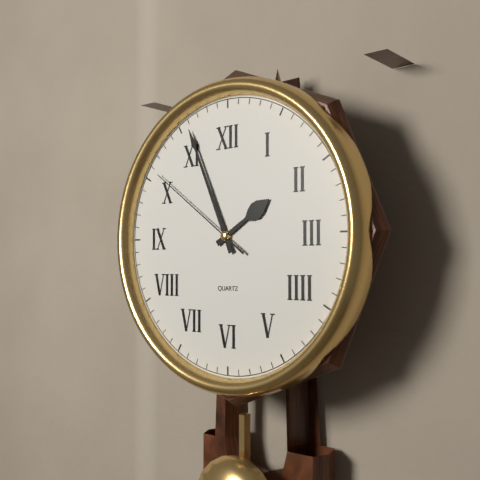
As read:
1 h 56 min 51 s
